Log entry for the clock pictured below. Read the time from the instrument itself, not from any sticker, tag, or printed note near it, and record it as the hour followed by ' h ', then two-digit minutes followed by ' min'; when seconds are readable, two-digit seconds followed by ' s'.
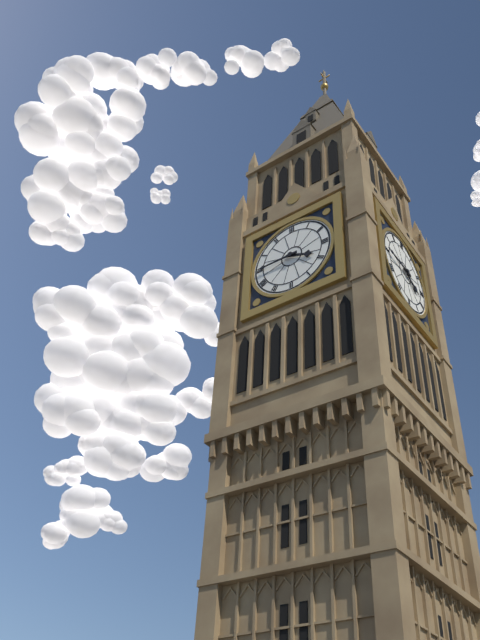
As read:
3 h 45 min
